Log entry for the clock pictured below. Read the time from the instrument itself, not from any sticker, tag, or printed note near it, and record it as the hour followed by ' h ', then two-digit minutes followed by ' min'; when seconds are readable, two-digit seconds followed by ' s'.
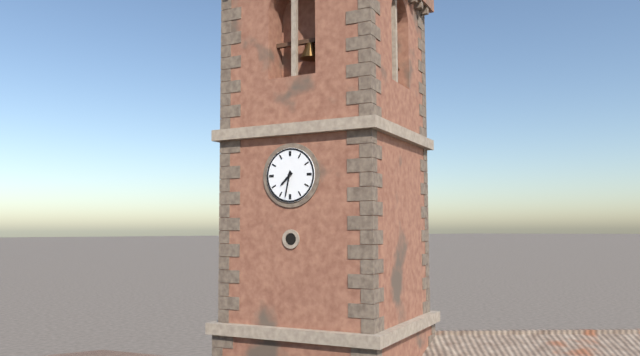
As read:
7 h 32 min
